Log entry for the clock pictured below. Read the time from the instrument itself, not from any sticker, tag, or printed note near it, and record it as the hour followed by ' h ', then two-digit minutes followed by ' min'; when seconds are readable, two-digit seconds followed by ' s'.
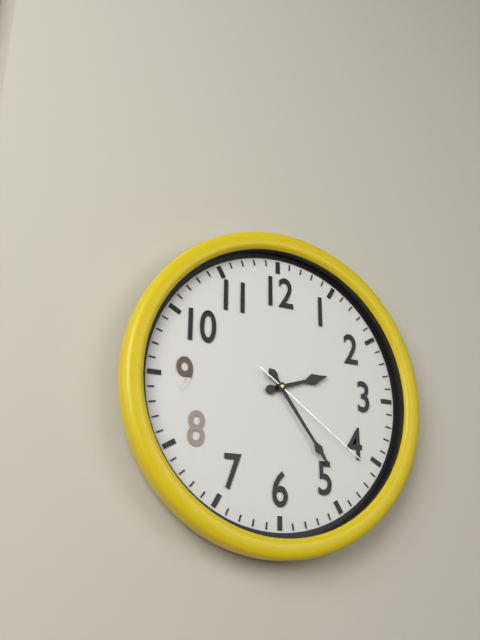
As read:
2 h 24 min 21 s
